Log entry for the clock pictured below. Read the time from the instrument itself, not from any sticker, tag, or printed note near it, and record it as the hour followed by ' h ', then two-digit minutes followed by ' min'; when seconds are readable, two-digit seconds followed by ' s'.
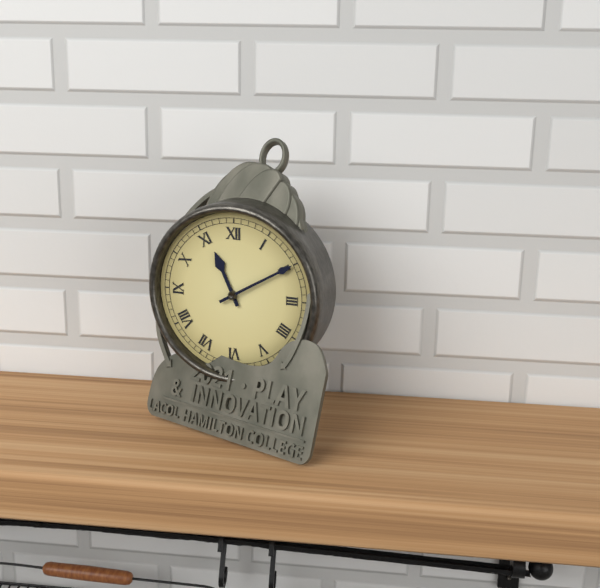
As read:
11 h 10 min
